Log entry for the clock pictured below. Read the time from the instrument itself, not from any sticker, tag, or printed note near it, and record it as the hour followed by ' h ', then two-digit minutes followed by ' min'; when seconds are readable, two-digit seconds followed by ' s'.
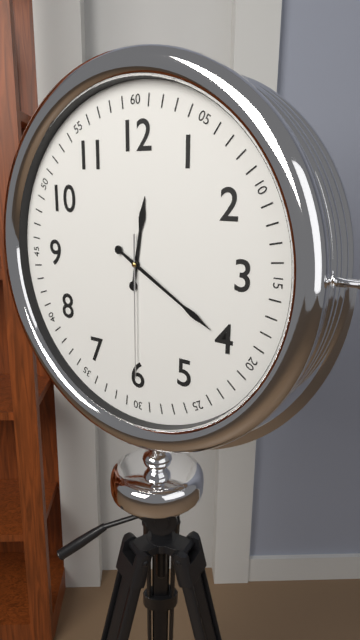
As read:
12 h 20 min 30 s
